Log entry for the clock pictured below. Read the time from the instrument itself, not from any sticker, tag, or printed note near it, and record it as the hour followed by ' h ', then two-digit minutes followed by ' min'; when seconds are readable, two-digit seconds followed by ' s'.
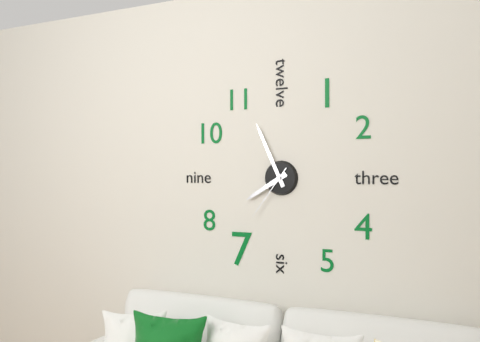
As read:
7 h 56 min 36 s
